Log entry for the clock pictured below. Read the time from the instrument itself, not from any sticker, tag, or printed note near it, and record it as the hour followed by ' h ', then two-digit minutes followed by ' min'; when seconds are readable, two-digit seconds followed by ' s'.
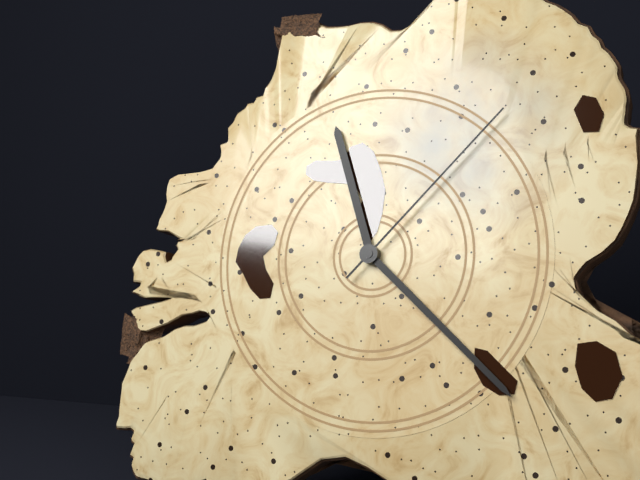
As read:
11 h 22 min 07 s
